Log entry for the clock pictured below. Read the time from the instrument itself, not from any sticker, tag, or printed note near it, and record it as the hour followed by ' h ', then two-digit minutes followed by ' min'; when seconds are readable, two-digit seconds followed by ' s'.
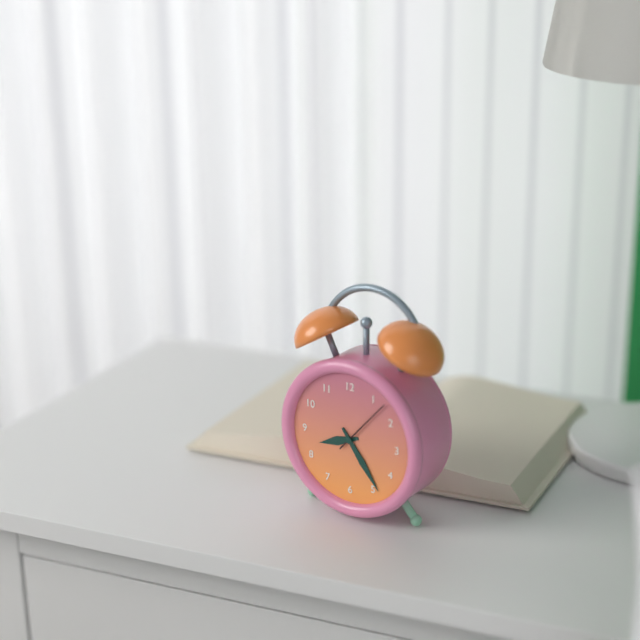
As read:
8 h 24 min
